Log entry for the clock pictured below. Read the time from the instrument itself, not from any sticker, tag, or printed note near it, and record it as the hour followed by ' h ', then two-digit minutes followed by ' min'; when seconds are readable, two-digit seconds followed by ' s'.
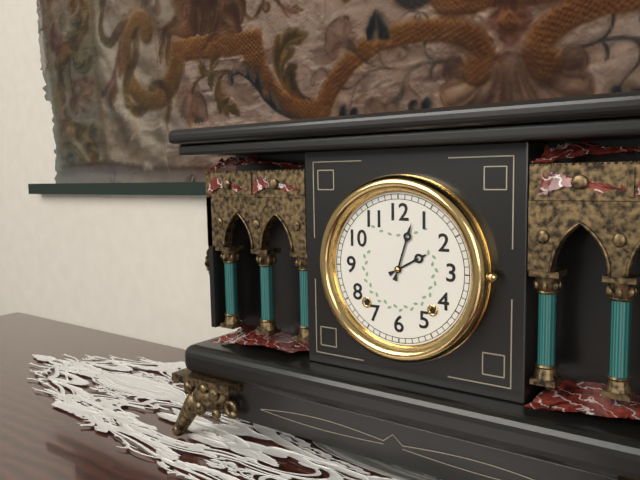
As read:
2 h 03 min
